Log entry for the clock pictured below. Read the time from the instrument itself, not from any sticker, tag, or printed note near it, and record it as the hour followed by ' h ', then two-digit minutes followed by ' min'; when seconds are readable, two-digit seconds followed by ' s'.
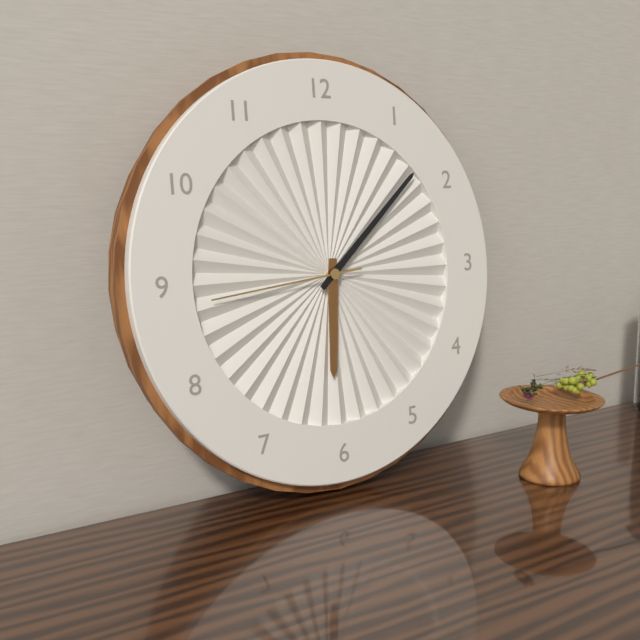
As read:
6 h 08 min 44 s
